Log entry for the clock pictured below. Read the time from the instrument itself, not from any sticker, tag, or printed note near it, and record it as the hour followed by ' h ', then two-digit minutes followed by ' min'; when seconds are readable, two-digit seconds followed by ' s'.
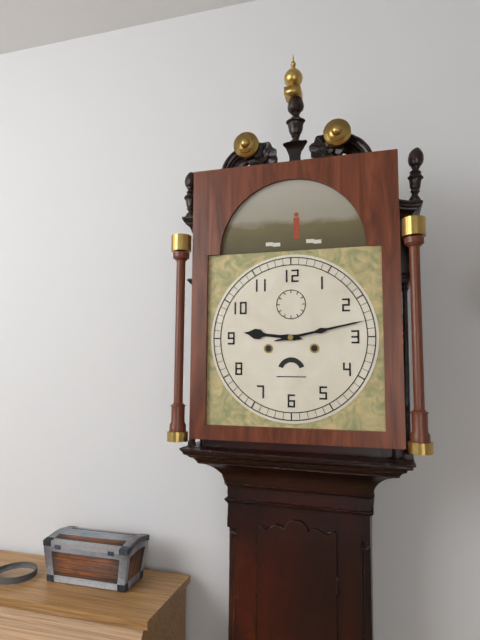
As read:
9 h 13 min
